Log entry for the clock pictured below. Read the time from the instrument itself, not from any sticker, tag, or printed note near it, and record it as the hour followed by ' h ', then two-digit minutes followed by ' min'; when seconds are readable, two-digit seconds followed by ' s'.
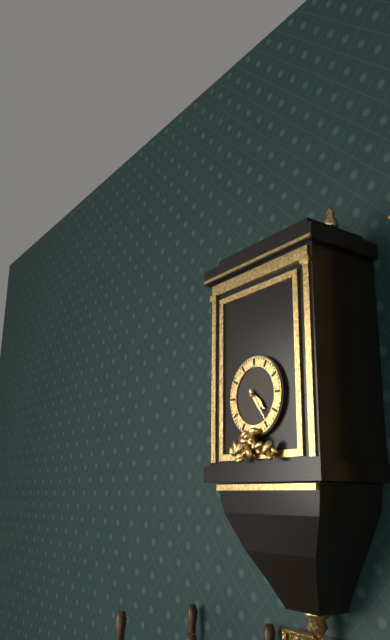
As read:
4 h 24 min
